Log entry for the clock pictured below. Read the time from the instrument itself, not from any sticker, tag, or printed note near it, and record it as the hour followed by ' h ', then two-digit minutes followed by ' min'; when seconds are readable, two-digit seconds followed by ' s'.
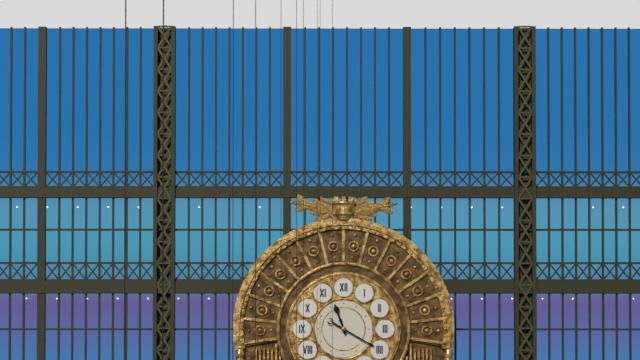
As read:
11 h 20 min
